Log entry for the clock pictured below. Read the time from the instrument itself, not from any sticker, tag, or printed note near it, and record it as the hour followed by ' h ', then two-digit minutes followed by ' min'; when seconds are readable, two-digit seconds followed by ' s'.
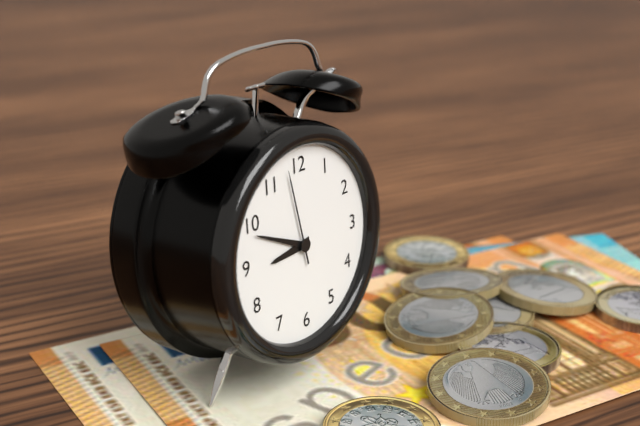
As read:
8 h 49 min 58 s
